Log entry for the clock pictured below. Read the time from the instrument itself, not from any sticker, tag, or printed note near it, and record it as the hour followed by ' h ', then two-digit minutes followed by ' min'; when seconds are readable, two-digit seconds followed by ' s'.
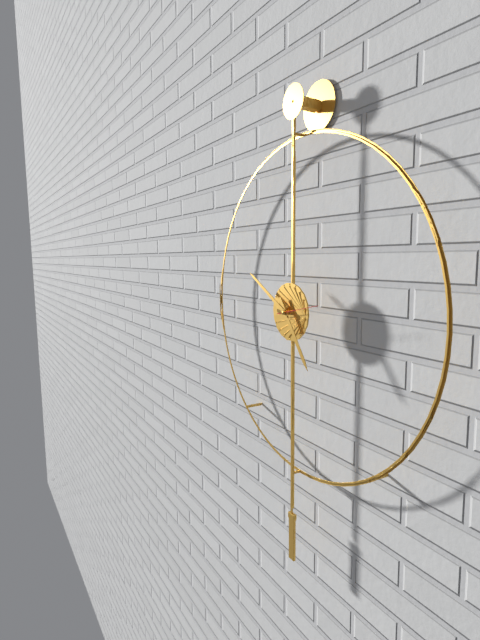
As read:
4 h 50 min
